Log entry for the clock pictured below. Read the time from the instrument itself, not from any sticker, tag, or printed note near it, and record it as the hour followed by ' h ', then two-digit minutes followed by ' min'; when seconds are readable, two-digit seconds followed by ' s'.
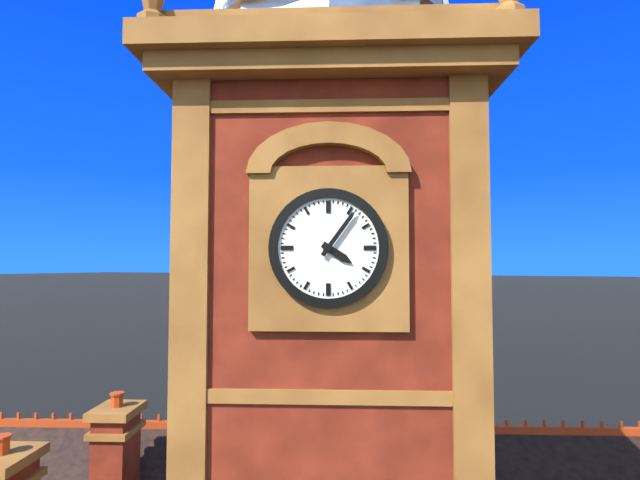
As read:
4 h 06 min
